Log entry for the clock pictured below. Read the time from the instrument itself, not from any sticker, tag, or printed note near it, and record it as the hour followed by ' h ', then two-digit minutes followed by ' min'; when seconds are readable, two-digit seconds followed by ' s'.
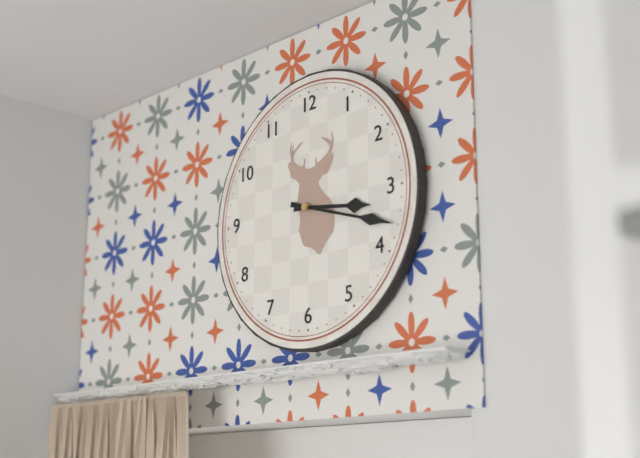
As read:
3 h 18 min
